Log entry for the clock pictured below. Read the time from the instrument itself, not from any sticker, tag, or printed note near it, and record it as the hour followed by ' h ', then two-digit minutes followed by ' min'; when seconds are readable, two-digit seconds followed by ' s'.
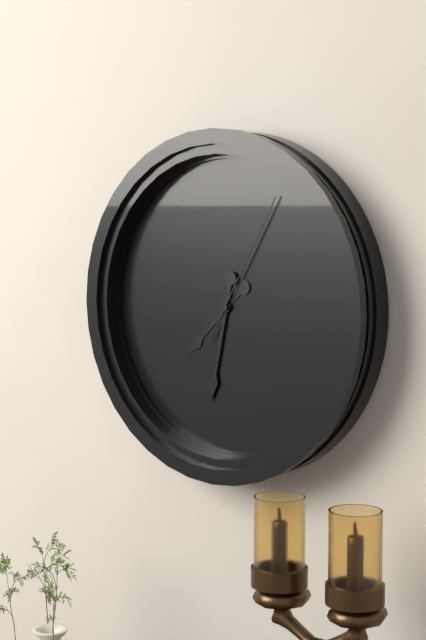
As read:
7 h 32 min 05 s
